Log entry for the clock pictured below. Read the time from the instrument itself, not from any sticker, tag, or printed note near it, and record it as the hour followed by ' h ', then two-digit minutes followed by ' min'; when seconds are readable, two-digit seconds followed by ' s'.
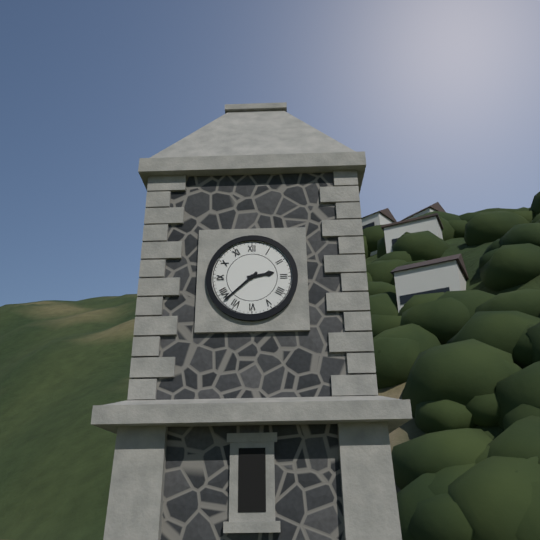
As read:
2 h 38 min
